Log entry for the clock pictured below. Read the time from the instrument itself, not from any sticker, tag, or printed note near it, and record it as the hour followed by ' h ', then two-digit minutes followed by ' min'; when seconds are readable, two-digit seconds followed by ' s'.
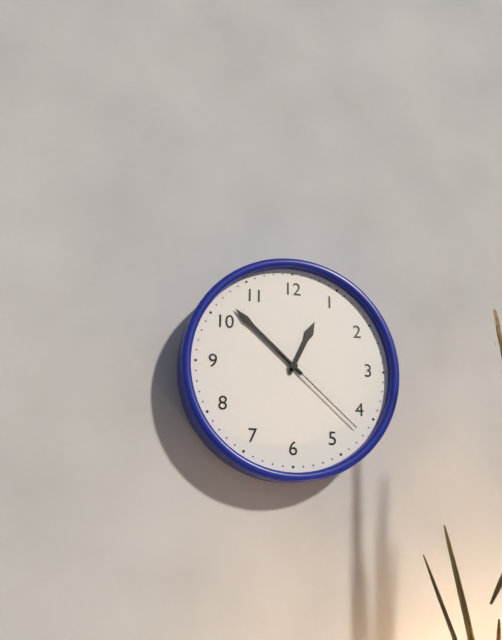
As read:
12 h 52 min 22 s
